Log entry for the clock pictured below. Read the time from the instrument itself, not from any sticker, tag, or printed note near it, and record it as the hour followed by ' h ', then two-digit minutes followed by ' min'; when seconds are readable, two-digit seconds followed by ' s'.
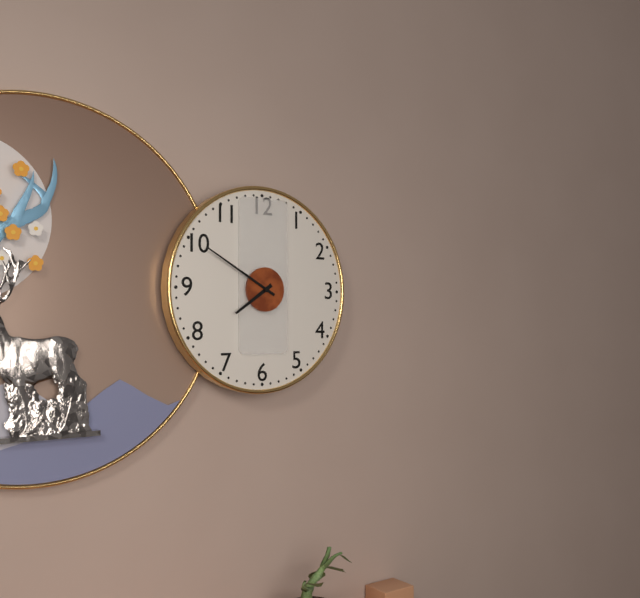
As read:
7 h 50 min
